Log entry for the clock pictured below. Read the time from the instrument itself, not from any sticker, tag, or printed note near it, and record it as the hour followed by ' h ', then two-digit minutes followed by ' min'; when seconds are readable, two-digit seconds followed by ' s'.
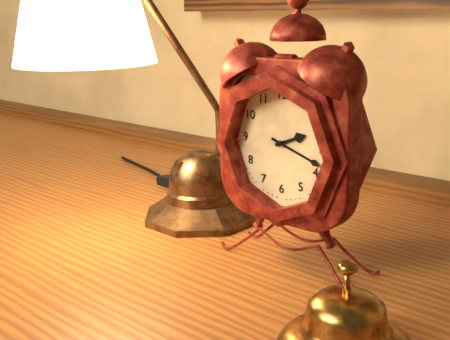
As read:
2 h 18 min
